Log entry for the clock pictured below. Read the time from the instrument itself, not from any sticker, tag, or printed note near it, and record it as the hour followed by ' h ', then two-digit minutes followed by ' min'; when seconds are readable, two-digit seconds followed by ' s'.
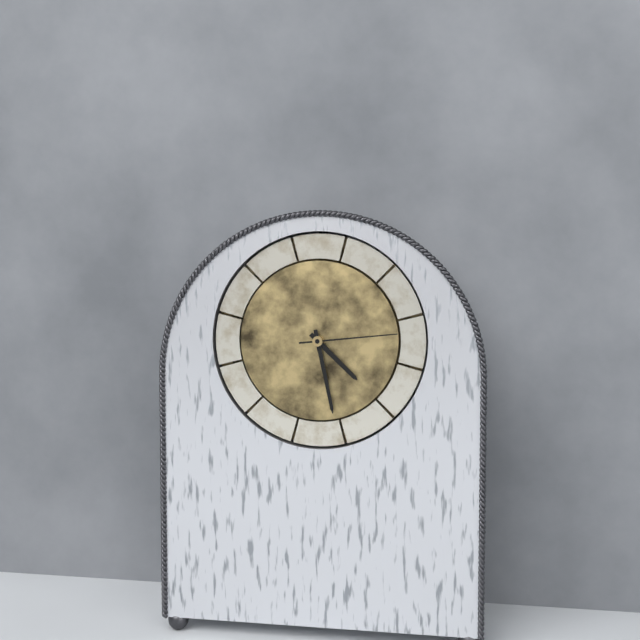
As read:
4 h 28 min 14 s
